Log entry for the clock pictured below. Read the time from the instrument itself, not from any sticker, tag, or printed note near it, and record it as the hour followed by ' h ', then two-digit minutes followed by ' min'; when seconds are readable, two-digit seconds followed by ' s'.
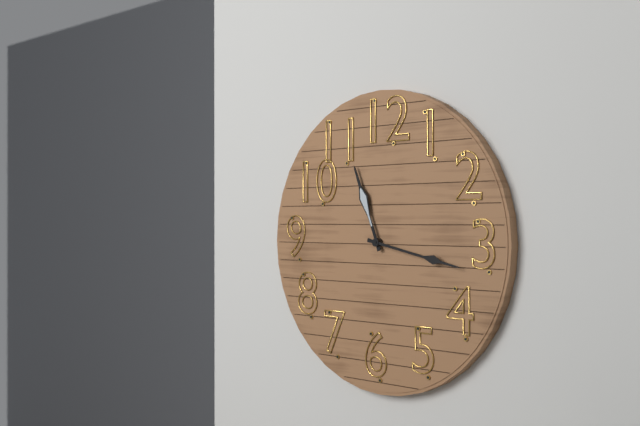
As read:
11 h 17 min
